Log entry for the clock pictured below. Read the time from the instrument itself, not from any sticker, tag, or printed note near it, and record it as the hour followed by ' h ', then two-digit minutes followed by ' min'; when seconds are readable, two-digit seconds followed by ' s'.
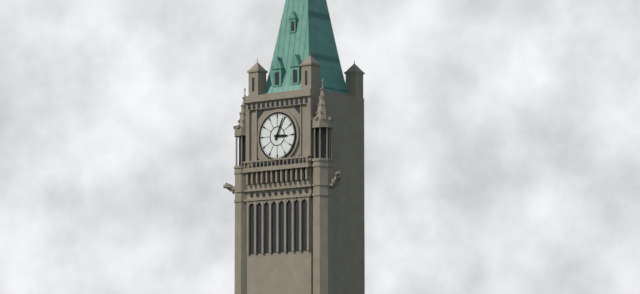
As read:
3 h 04 min
